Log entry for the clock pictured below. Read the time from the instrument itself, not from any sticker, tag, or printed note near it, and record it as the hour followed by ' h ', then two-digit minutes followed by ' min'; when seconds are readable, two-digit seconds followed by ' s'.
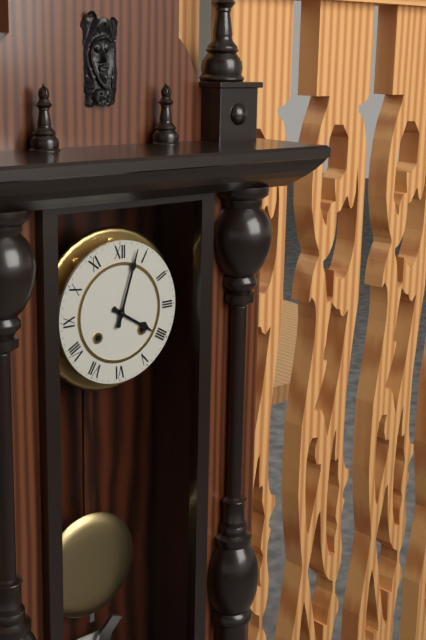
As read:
4 h 03 min
